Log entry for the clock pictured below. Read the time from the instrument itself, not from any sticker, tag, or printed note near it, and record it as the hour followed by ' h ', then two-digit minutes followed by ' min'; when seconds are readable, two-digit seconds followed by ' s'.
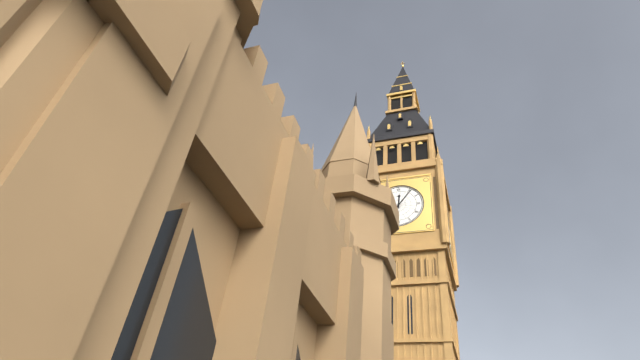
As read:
12 h 06 min
